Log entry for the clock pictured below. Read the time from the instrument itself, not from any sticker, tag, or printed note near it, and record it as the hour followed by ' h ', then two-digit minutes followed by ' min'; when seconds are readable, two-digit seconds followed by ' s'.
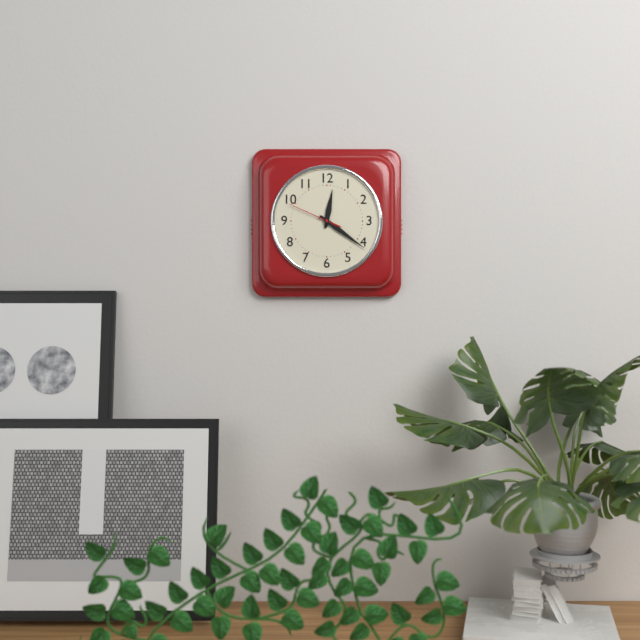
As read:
12 h 21 min 49 s
